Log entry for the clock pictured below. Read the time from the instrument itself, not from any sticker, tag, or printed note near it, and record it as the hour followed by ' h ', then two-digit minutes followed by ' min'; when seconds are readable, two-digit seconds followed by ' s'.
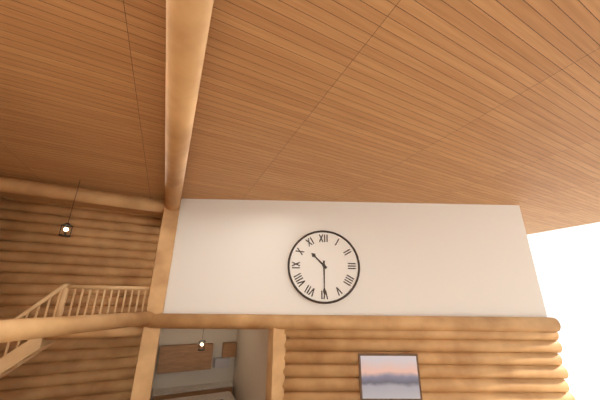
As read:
10 h 30 min
